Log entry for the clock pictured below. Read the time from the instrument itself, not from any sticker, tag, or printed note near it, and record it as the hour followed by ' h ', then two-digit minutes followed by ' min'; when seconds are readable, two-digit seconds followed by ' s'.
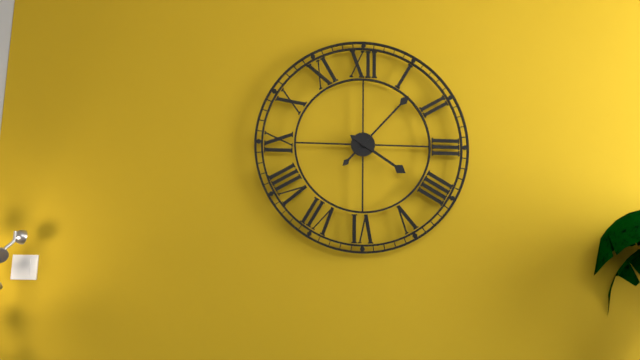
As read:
4 h 07 min
